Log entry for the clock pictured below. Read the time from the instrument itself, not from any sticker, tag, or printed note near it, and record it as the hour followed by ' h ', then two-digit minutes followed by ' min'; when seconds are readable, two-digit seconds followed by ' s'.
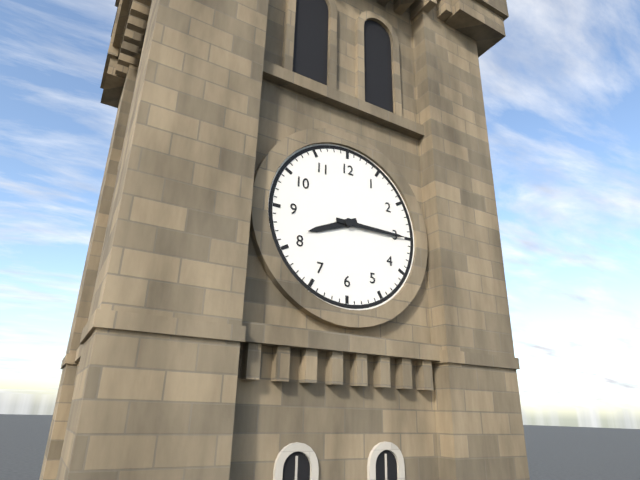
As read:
8 h 15 min
